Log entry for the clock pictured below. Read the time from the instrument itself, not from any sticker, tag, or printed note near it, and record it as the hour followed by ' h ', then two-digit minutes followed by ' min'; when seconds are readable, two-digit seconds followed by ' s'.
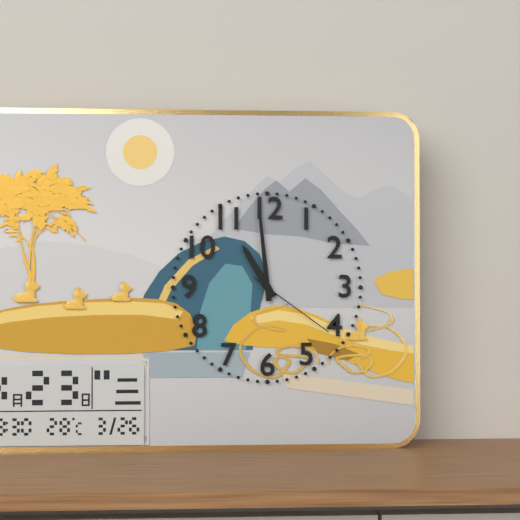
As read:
10 h 59 min 21 s
